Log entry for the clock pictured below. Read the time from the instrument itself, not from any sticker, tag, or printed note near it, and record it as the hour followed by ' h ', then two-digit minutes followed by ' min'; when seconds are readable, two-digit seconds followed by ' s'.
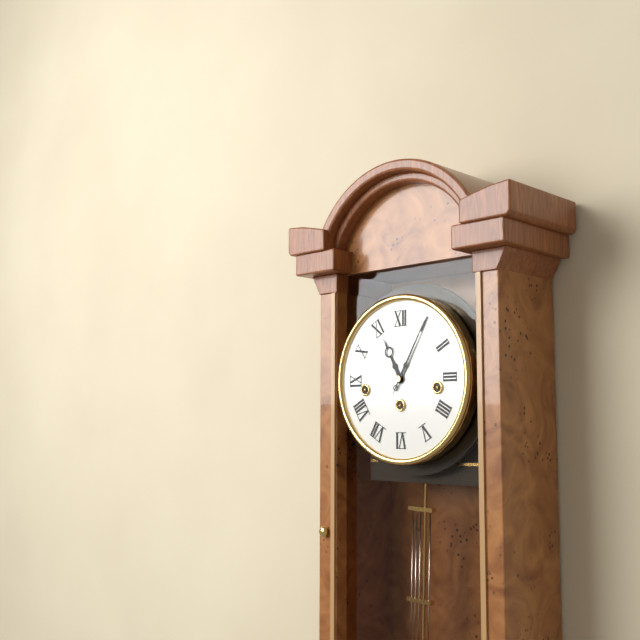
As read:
11 h 05 min
